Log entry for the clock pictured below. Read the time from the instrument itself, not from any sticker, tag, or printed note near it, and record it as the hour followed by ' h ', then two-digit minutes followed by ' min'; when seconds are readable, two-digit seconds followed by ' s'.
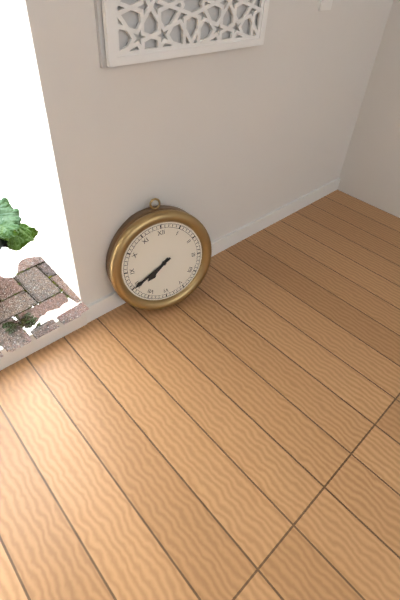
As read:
7 h 40 min
